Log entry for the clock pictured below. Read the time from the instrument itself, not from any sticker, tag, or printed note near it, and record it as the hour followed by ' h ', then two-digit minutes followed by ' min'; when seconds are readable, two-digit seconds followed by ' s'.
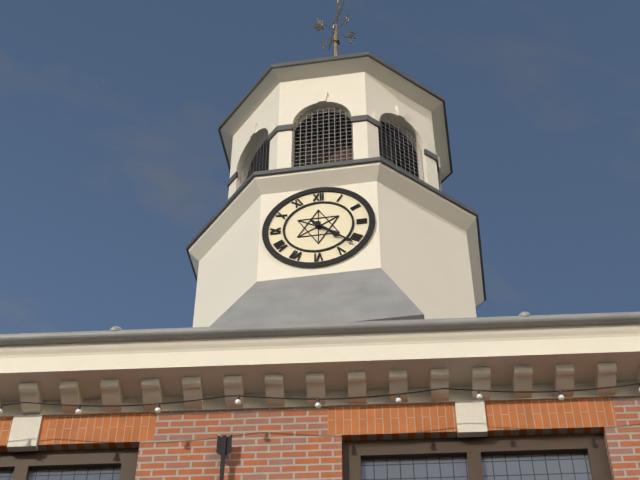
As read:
4 h 22 min
